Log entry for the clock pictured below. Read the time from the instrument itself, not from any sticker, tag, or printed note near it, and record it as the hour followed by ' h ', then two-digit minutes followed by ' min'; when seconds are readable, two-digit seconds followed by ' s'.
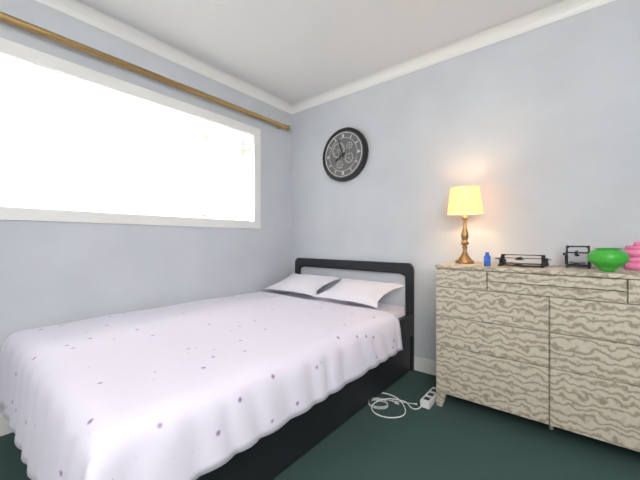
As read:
7 h 57 min
